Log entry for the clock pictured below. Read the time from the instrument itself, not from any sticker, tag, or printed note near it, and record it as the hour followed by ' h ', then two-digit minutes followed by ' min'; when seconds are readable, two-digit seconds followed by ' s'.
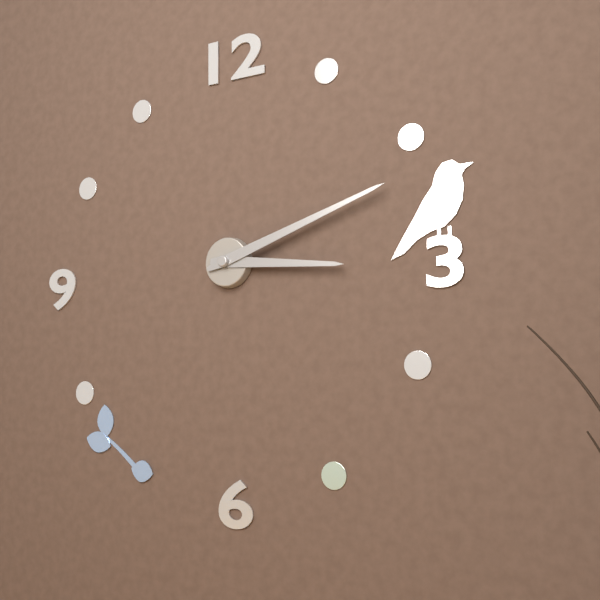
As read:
3 h 12 min
